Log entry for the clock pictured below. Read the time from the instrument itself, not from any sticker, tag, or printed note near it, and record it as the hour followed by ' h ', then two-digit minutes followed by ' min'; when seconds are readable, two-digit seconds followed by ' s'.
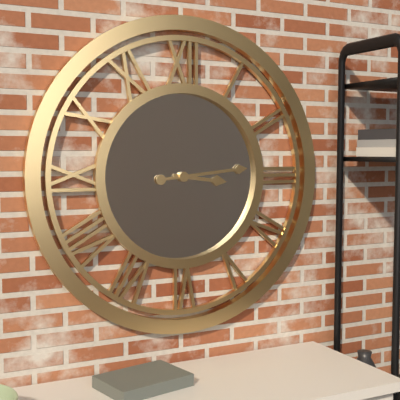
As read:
3 h 14 min
